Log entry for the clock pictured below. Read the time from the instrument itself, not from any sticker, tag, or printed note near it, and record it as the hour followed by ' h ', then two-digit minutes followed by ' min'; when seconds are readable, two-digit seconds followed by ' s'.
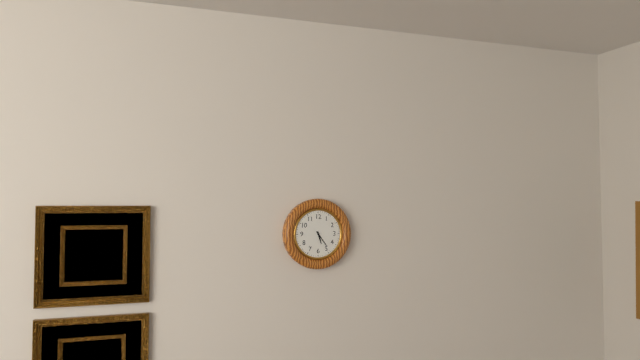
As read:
5 h 24 min
